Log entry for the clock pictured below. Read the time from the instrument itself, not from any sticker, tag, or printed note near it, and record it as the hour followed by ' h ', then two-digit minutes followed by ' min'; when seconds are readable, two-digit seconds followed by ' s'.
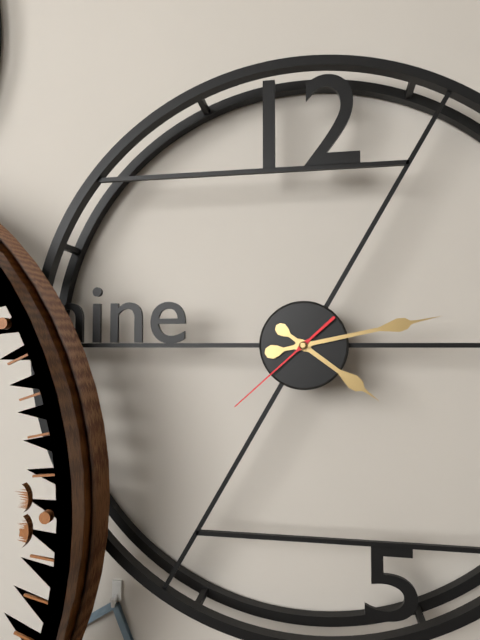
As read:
4 h 13 min 38 s
